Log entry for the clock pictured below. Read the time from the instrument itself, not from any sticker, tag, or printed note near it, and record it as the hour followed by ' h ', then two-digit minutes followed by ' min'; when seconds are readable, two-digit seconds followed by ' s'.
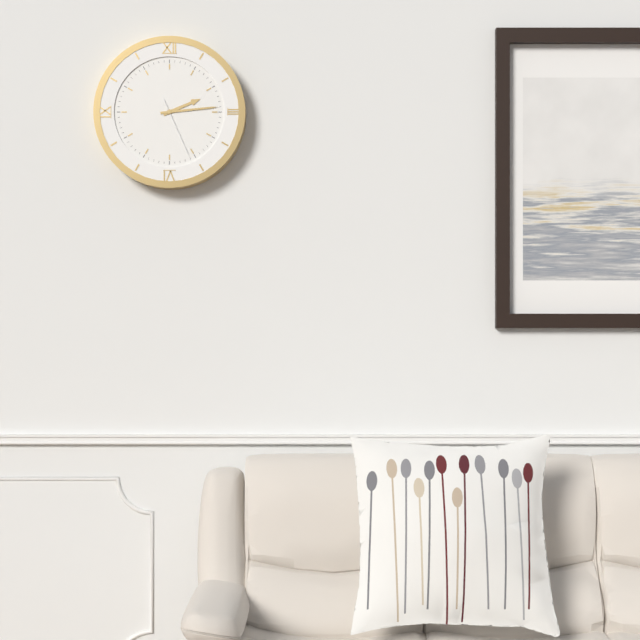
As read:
2 h 14 min 26 s
